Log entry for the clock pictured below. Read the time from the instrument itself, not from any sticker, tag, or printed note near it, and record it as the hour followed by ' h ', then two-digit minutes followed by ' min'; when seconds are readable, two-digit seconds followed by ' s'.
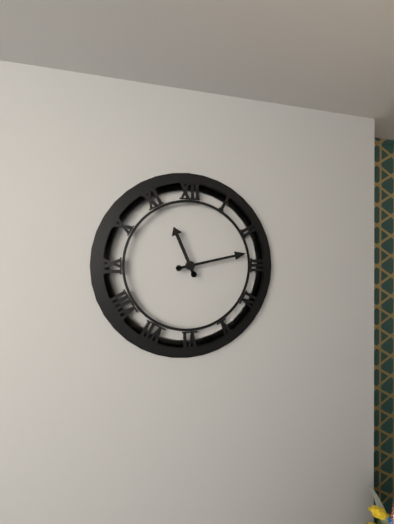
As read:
11 h 13 min
